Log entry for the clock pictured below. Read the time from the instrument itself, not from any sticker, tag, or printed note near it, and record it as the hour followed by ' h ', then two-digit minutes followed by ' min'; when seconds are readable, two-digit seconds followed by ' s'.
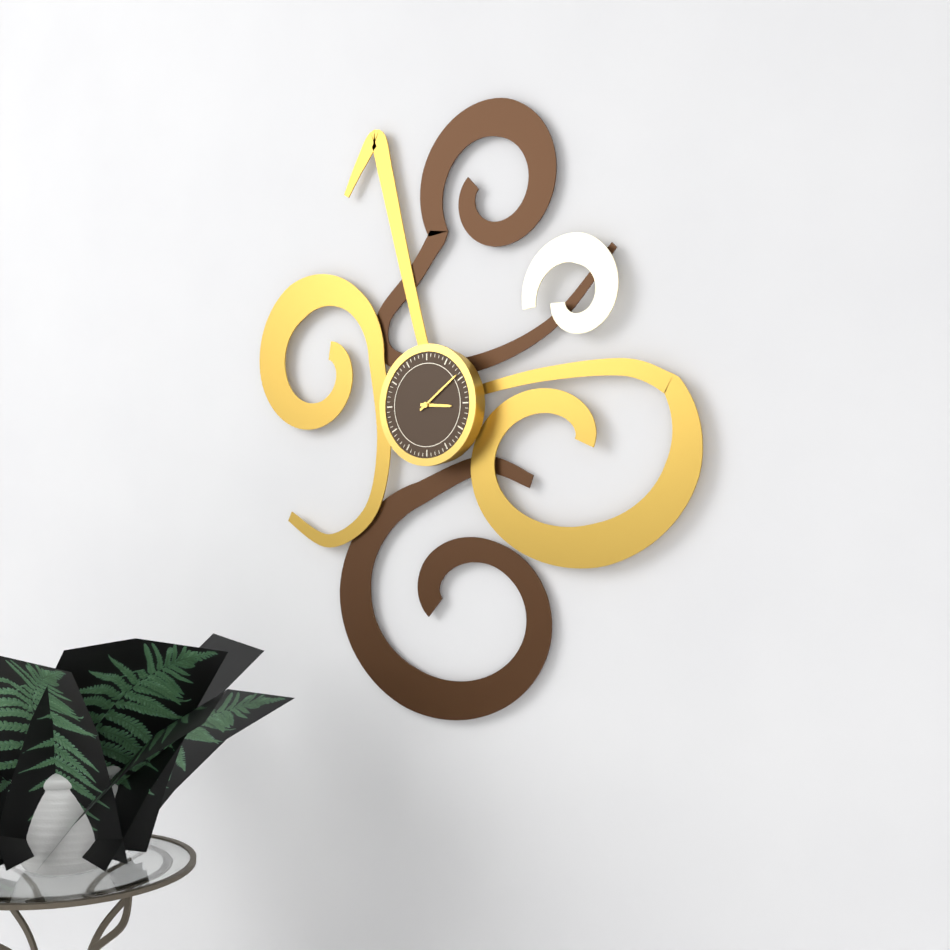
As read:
3 h 09 min
